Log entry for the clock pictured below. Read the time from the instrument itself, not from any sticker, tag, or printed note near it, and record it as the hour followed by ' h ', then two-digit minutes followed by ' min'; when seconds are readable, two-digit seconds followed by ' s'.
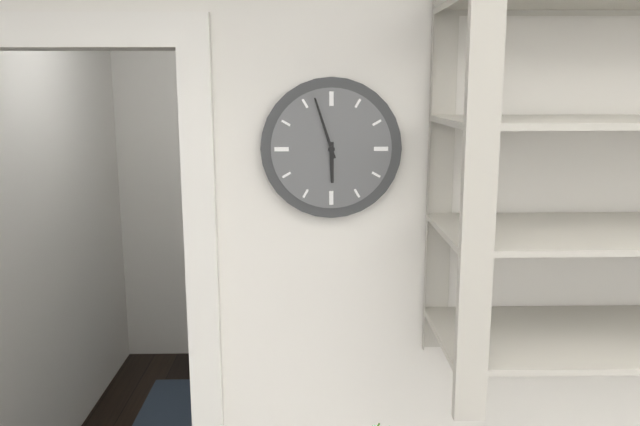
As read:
5 h 57 min
